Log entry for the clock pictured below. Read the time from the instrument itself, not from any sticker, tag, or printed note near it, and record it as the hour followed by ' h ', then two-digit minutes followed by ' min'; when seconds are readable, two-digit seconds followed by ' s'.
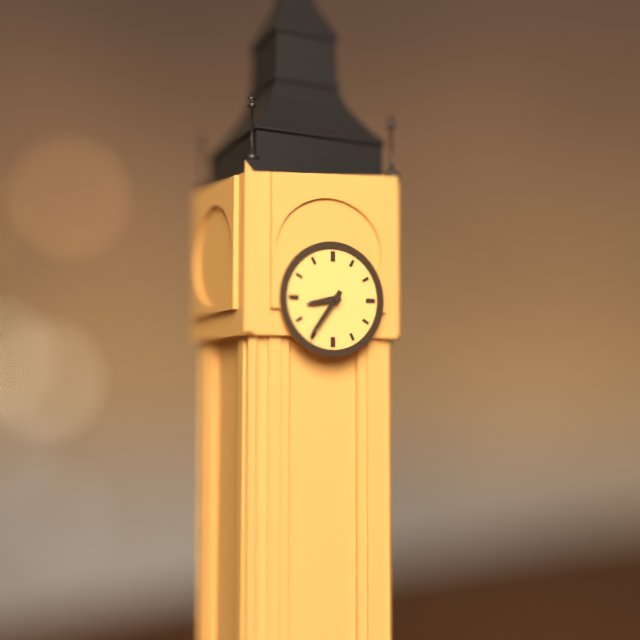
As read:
8 h 36 min
